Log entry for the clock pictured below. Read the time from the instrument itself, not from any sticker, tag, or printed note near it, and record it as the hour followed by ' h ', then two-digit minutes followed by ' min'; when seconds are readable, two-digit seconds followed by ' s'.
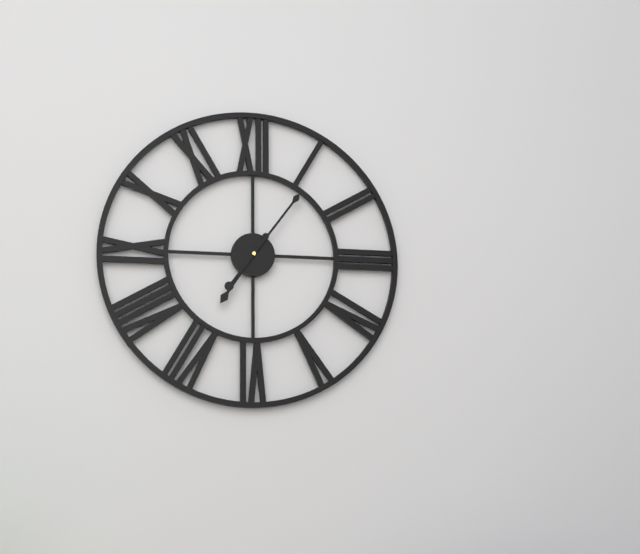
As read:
7 h 06 min
